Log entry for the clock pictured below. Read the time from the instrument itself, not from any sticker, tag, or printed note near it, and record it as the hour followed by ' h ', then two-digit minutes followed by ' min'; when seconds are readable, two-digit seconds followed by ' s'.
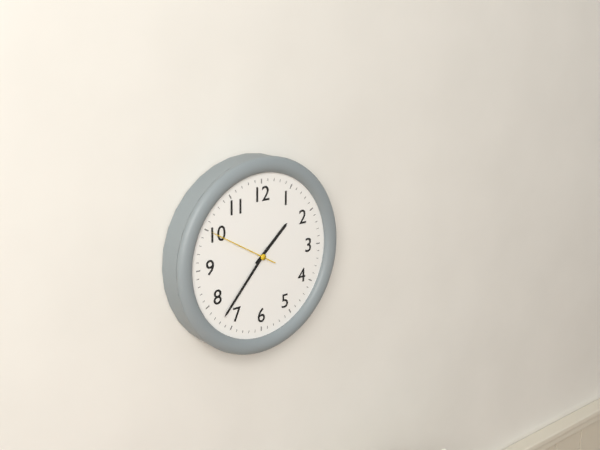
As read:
1 h 37 min 50 s
